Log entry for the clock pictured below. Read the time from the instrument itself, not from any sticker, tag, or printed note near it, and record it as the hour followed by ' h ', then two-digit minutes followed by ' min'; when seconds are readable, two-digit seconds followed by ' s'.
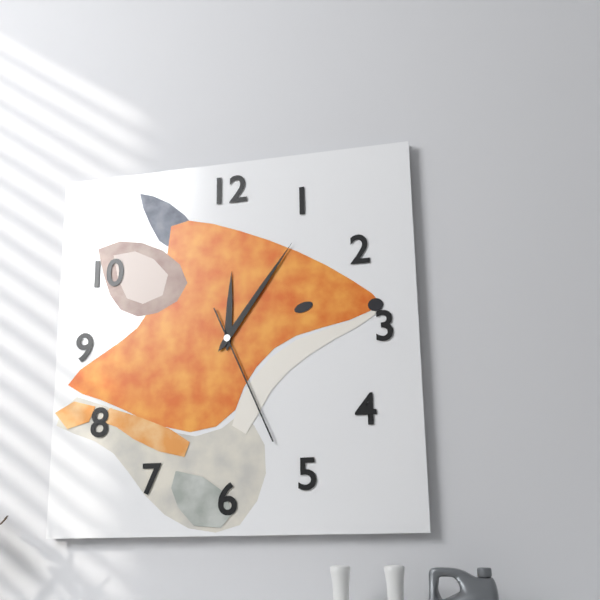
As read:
12 h 06 min 26 s
